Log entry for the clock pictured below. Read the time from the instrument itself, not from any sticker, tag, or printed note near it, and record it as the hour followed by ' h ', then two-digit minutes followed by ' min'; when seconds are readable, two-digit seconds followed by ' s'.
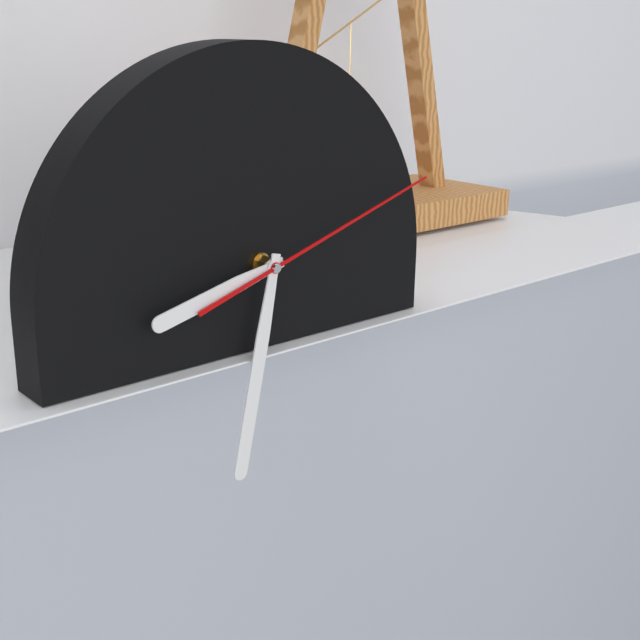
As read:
8 h 32 min 12 s
